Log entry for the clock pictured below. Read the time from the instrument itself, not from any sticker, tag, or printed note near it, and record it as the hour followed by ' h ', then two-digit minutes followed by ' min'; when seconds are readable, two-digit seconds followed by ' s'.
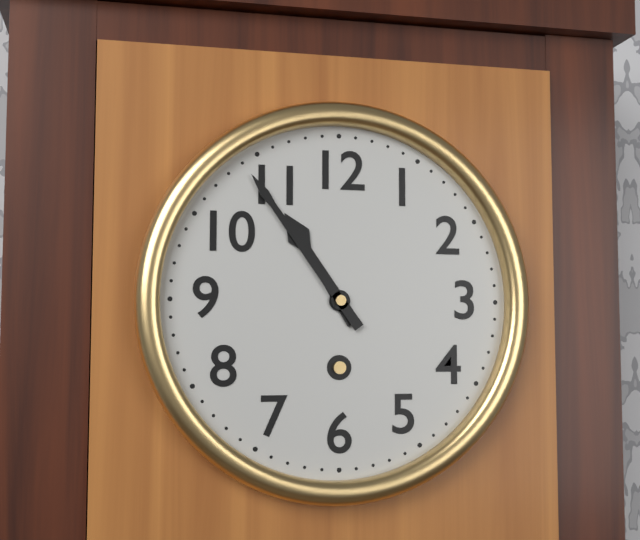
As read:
10 h 54 min
